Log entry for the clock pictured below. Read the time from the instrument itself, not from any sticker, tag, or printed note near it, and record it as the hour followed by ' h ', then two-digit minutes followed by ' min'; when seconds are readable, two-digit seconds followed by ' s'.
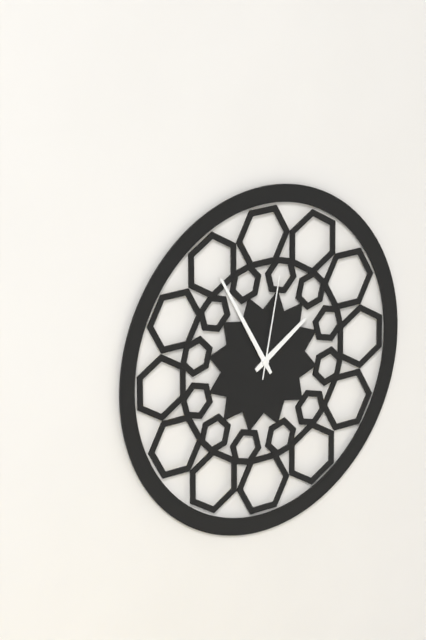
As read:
1 h 55 min 02 s
